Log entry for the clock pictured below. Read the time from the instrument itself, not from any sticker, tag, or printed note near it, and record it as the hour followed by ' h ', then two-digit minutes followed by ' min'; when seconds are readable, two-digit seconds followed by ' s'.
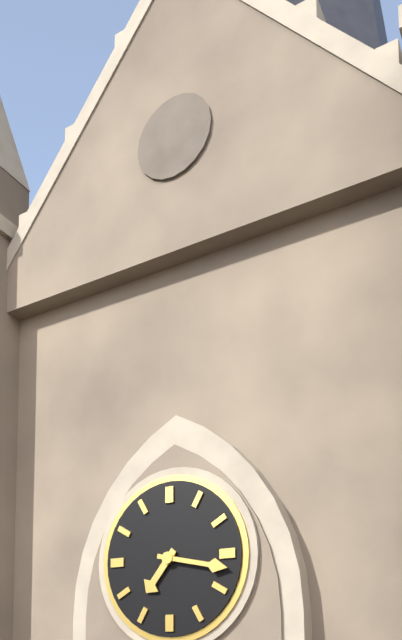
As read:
7 h 17 min
